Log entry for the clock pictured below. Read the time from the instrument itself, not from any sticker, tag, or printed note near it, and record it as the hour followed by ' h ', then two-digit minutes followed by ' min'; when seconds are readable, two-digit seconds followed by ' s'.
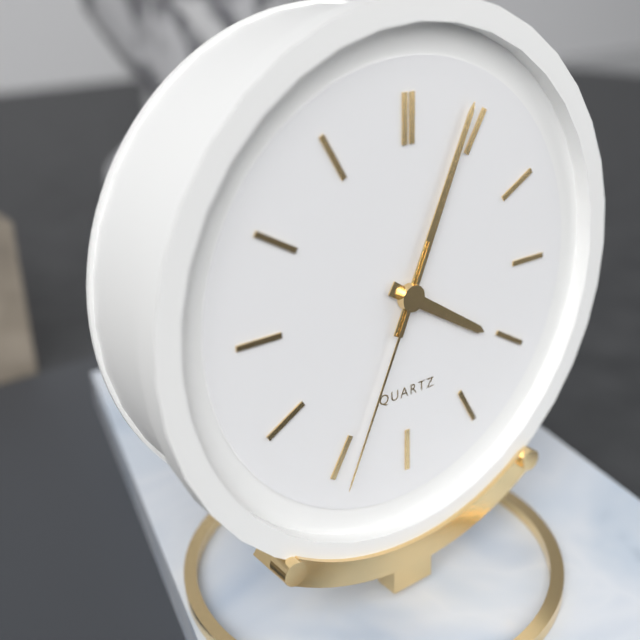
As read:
4 h 04 min 34 s
